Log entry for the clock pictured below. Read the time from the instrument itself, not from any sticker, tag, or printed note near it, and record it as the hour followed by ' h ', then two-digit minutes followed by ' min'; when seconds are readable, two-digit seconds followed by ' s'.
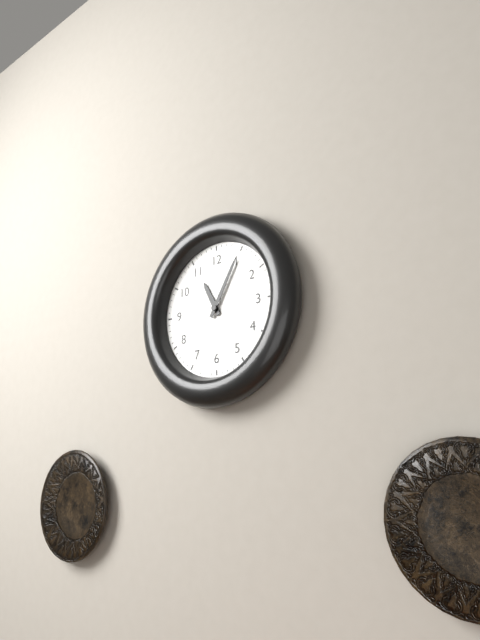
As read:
11 h 05 min
